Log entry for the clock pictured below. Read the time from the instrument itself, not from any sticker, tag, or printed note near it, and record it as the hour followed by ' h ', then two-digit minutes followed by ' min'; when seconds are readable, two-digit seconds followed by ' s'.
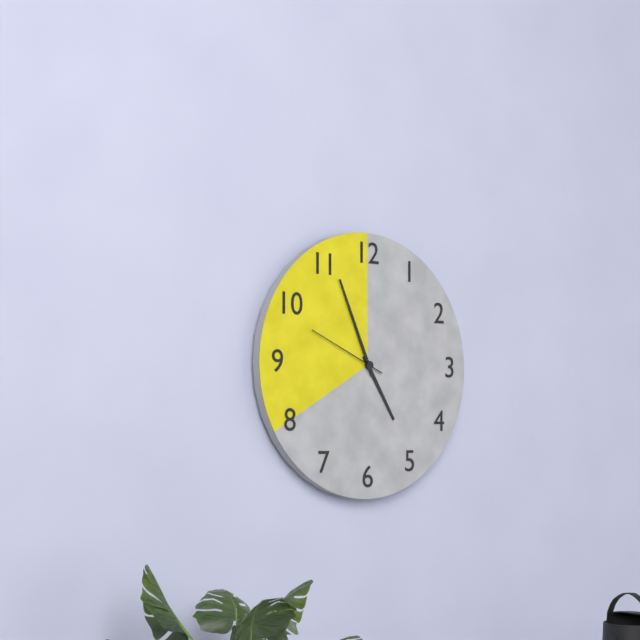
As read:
4 h 56 min 49 s
